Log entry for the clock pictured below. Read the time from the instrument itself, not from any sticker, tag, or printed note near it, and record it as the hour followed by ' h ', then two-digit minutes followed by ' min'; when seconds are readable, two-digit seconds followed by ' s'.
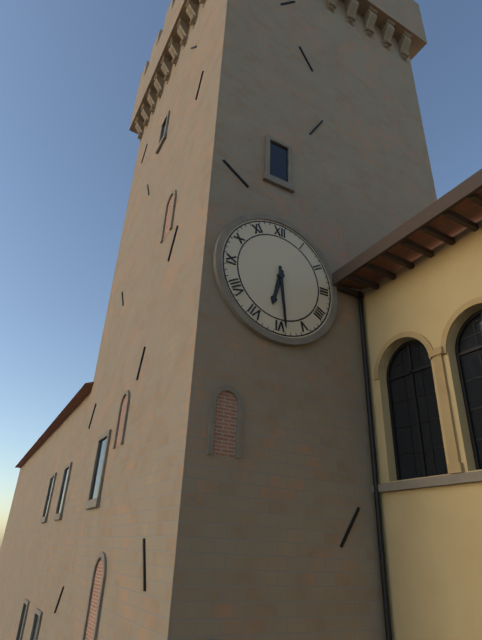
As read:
6 h 29 min
